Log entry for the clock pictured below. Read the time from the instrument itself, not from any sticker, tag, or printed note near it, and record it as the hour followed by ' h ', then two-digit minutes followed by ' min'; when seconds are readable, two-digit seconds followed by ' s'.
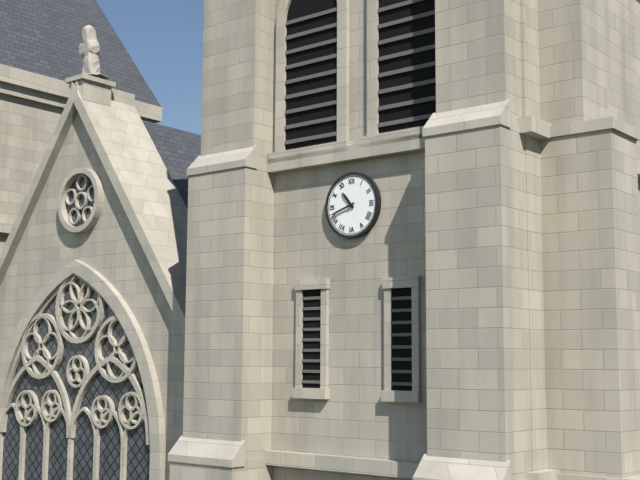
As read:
10 h 42 min
